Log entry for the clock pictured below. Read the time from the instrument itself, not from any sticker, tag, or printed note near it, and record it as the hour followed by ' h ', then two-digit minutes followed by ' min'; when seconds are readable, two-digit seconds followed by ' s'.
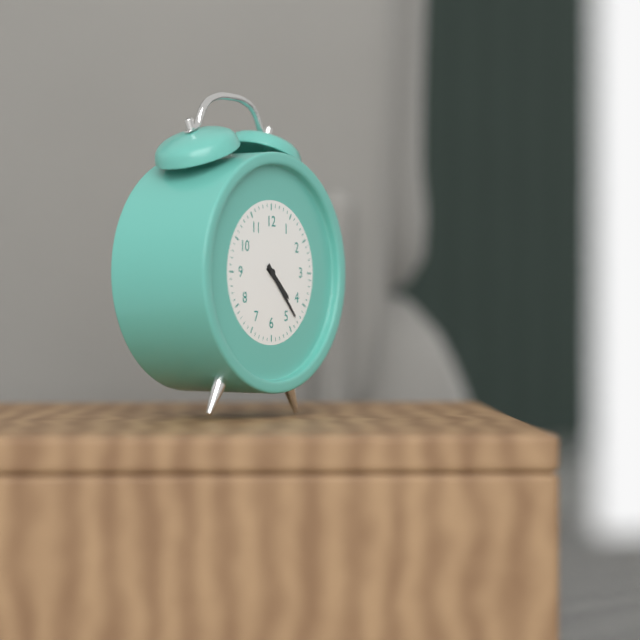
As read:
4 h 23 min
